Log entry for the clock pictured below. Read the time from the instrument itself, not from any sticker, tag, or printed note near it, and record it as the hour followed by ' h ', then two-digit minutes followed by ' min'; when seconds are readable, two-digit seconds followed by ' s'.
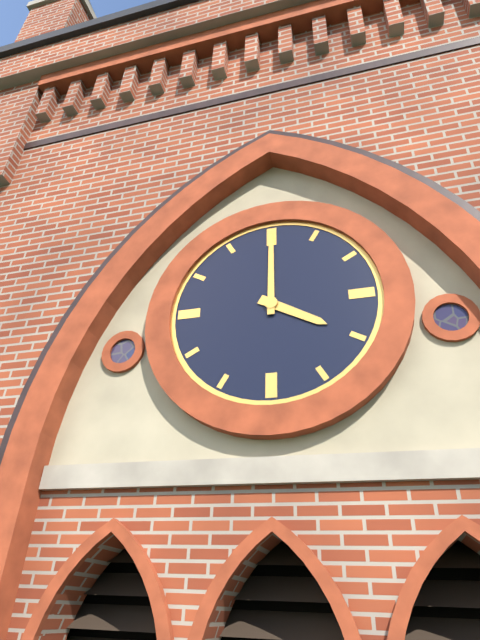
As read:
4 h 00 min
